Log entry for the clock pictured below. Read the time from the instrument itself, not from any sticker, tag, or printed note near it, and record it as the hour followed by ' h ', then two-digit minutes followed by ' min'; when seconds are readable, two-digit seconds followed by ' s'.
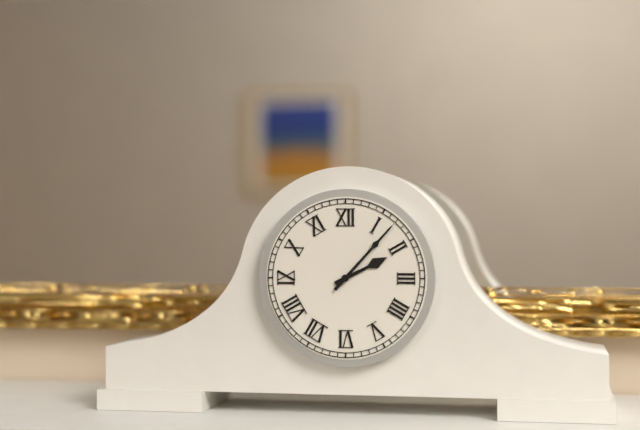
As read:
2 h 07 min
